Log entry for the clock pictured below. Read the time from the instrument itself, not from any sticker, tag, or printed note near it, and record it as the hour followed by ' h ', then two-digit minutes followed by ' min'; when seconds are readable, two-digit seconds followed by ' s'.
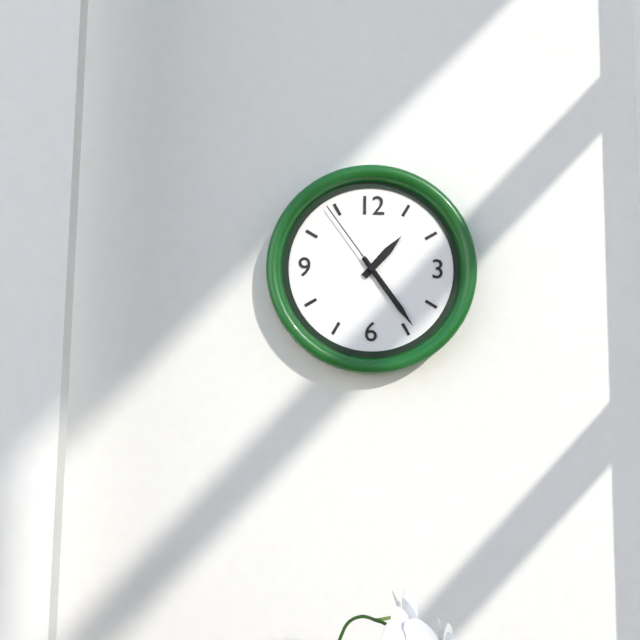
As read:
1 h 24 min 54 s
